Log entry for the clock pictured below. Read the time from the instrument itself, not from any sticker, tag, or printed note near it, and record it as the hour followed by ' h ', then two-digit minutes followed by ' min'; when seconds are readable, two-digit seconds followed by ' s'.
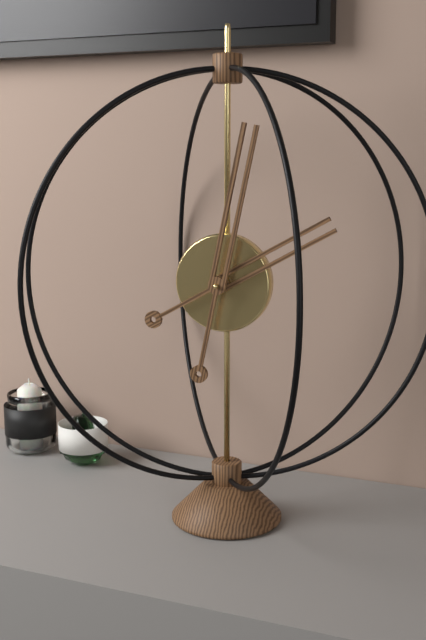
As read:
2 h 02 min
